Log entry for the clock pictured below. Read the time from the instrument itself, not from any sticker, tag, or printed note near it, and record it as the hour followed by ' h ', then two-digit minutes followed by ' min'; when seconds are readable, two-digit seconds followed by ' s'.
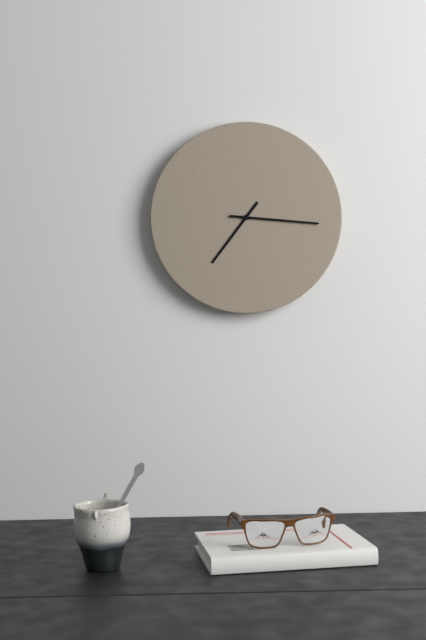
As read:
7 h 16 min
